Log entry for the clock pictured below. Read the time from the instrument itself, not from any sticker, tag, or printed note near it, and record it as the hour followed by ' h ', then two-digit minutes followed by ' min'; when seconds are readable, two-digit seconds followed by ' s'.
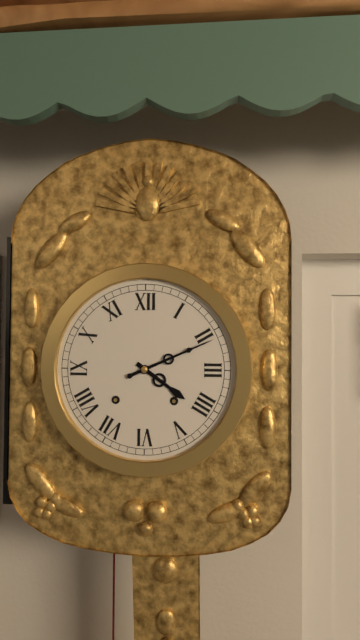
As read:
4 h 11 min
